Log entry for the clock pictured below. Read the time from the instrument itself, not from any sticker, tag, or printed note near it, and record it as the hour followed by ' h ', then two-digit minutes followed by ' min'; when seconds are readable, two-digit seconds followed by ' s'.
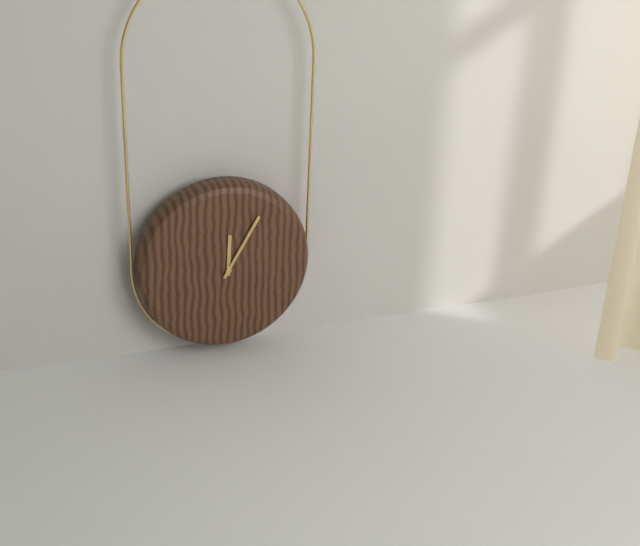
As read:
12 h 05 min
